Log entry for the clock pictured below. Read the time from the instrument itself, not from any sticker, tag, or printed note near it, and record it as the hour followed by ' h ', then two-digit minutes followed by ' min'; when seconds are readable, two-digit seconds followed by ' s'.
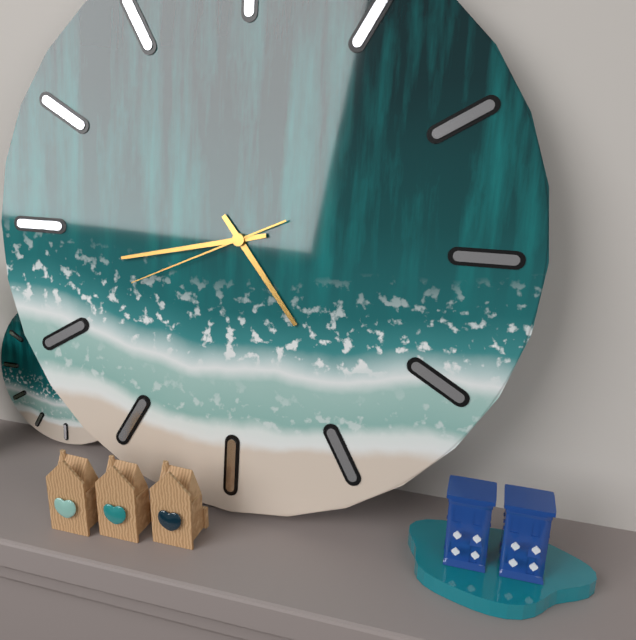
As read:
4 h 43 min 41 s
